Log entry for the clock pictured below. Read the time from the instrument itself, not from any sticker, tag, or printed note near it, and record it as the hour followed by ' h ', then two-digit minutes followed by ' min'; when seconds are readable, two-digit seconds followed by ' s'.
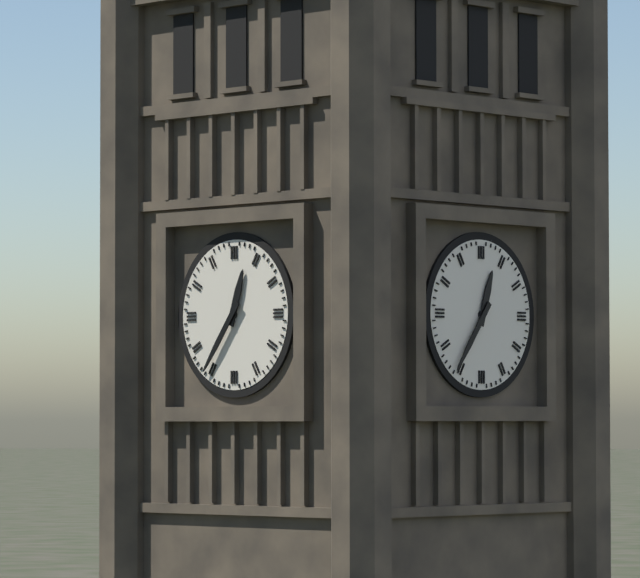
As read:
12 h 36 min
